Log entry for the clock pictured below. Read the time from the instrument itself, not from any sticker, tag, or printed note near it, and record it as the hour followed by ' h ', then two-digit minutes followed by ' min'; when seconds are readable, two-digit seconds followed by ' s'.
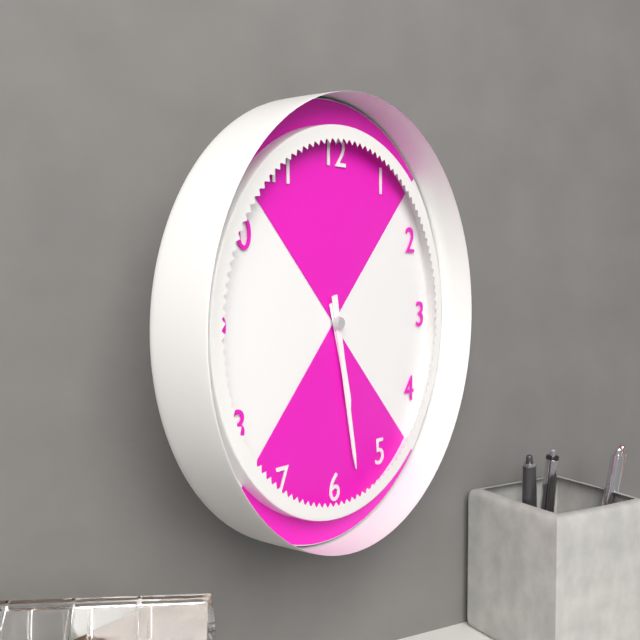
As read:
5 h 28 min
